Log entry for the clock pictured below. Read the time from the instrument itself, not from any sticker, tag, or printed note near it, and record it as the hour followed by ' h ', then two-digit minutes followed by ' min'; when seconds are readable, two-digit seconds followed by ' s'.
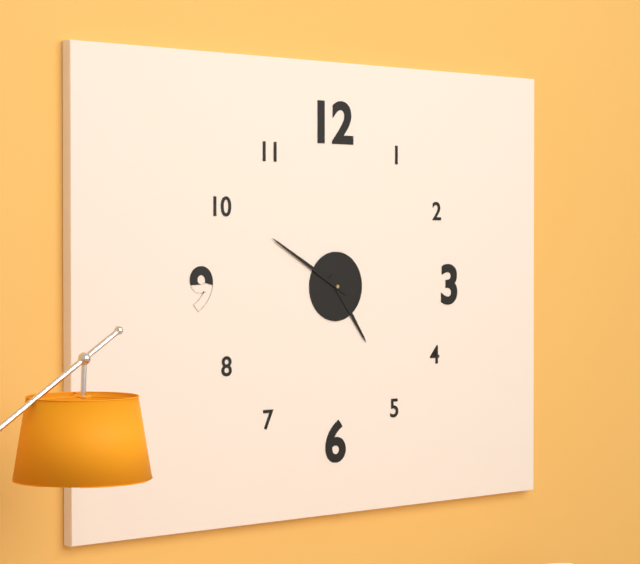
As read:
4 h 50 min
